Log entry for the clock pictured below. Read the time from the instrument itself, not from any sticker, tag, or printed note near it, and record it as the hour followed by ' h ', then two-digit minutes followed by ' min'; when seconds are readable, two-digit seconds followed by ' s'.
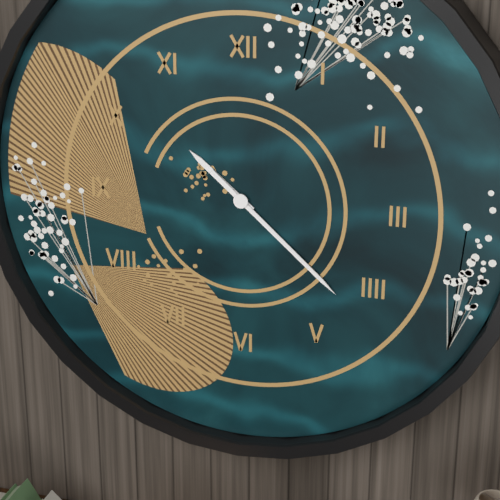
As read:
10 h 22 min
